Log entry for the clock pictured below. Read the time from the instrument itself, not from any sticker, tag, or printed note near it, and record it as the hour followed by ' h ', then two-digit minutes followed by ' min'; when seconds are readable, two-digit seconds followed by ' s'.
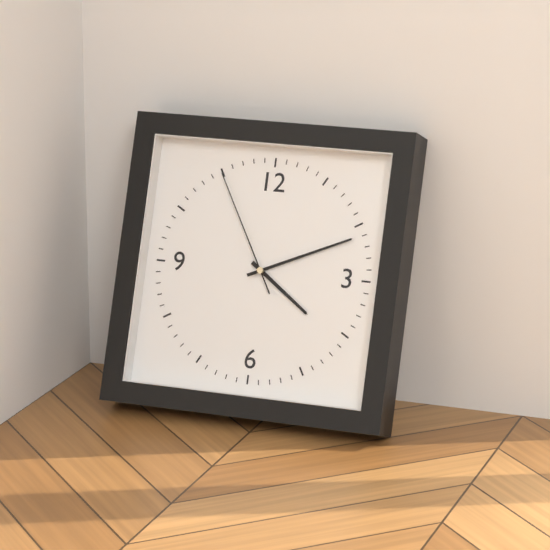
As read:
4 h 11 min 55 s
